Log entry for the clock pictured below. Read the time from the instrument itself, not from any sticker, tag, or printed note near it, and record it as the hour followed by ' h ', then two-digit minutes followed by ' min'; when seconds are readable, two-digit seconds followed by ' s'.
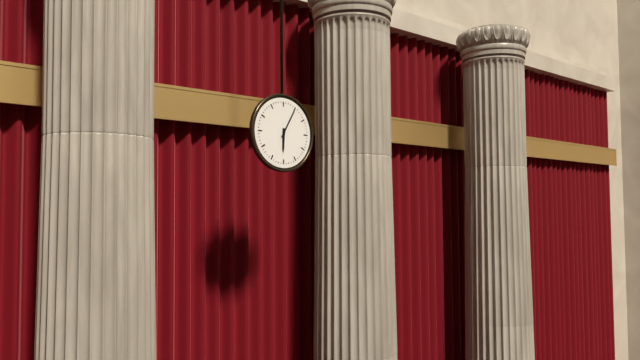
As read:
6 h 05 min
